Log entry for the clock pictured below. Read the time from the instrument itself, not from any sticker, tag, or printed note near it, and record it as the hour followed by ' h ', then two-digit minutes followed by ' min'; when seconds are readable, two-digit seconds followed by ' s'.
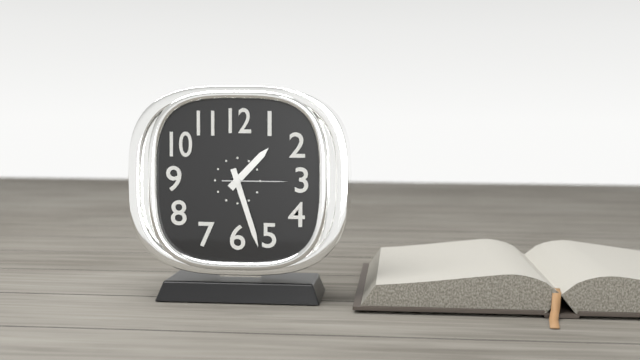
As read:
1 h 27 min 15 s
